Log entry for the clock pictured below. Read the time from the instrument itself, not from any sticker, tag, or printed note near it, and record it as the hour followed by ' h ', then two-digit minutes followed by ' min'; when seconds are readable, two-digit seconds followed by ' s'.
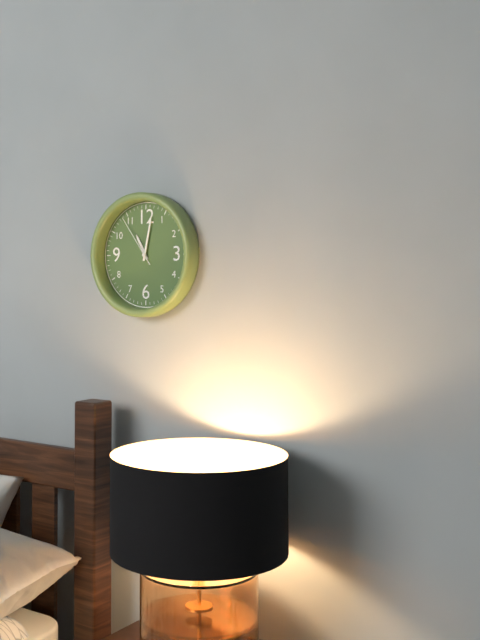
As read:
11 h 02 min 54 s
